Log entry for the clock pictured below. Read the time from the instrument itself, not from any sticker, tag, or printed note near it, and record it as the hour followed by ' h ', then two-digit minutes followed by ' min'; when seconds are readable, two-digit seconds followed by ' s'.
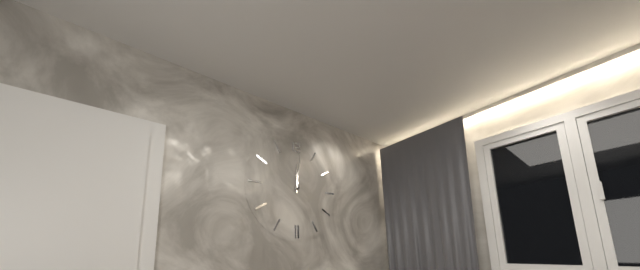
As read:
12 h 01 min
